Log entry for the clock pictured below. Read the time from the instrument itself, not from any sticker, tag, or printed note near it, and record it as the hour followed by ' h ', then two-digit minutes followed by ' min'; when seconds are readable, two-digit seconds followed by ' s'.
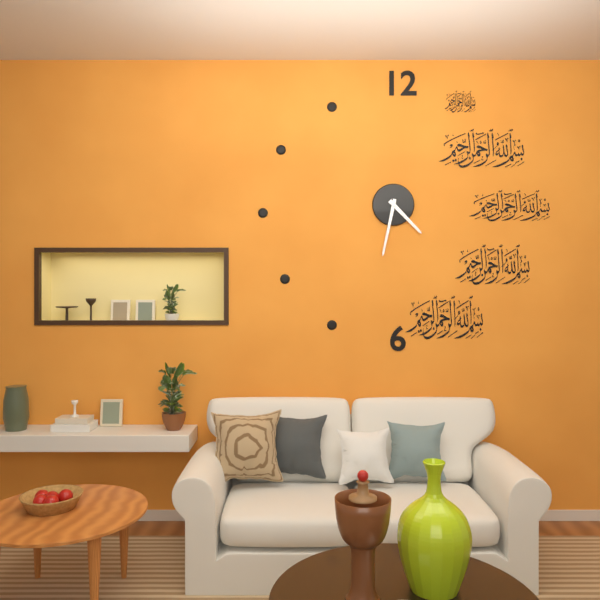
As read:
4 h 32 min
